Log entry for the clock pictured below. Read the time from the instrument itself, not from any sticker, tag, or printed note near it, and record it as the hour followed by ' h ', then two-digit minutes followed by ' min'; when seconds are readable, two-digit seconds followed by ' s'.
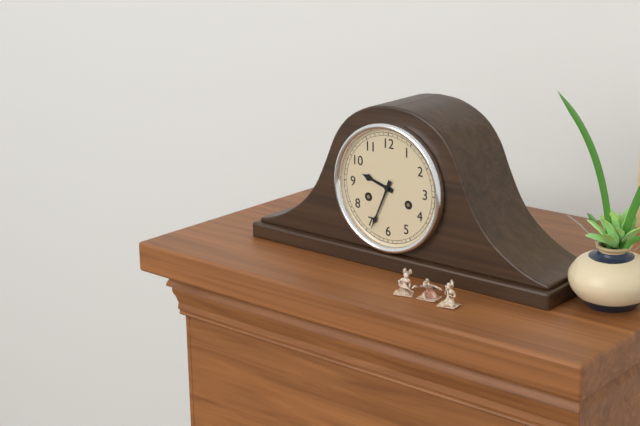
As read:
9 h 34 min
